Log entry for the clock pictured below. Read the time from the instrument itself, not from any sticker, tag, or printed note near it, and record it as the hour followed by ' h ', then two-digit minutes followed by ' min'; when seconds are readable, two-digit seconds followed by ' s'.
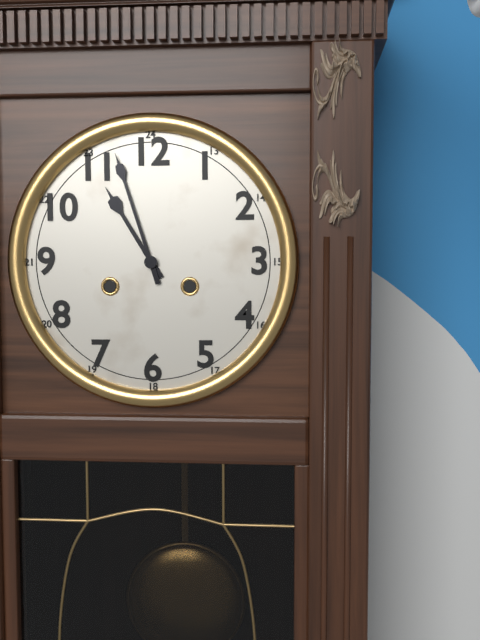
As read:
10 h 57 min
